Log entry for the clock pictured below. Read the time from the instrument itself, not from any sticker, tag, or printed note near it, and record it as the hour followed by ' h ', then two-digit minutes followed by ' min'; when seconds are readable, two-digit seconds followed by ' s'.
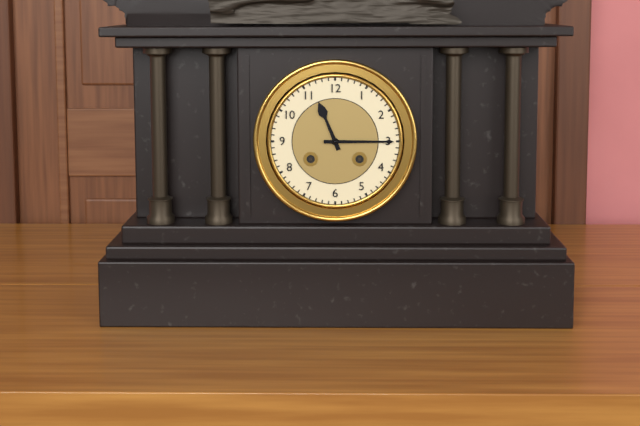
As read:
11 h 15 min
